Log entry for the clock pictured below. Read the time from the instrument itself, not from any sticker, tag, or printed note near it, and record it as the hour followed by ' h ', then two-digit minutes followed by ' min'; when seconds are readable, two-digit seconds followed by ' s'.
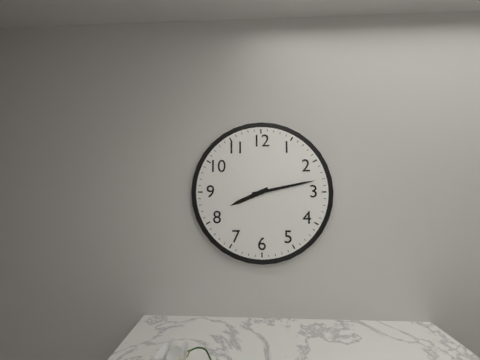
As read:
8 h 13 min
